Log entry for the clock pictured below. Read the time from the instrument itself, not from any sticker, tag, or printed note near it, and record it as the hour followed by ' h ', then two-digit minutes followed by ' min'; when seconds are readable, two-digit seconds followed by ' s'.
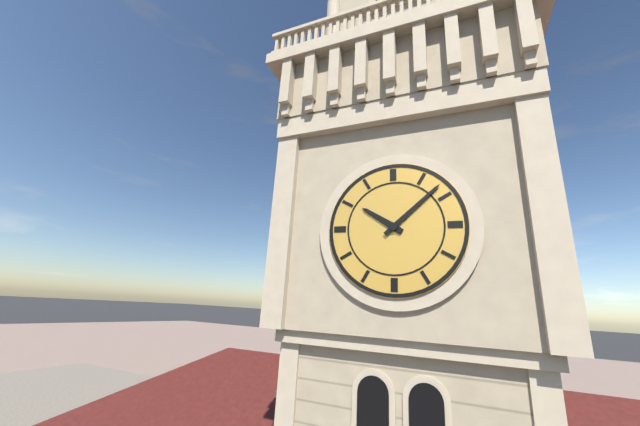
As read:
10 h 08 min
